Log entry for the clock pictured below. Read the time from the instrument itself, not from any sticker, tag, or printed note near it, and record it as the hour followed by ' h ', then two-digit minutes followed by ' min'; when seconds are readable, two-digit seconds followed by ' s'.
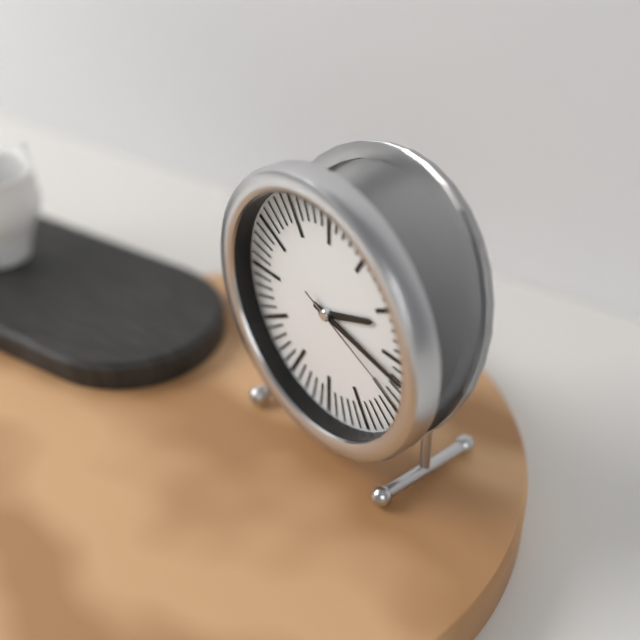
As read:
2 h 17 min 19 s
